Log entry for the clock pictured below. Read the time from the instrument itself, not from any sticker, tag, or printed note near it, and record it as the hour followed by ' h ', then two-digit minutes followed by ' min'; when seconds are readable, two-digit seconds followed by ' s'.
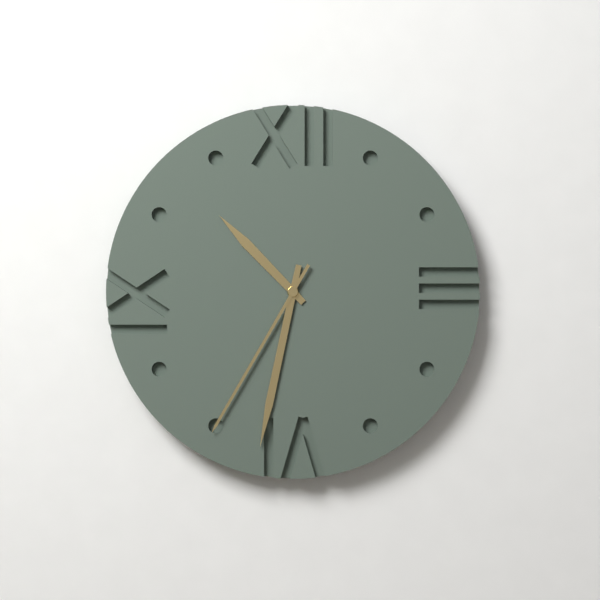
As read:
10 h 32 min 35 s
